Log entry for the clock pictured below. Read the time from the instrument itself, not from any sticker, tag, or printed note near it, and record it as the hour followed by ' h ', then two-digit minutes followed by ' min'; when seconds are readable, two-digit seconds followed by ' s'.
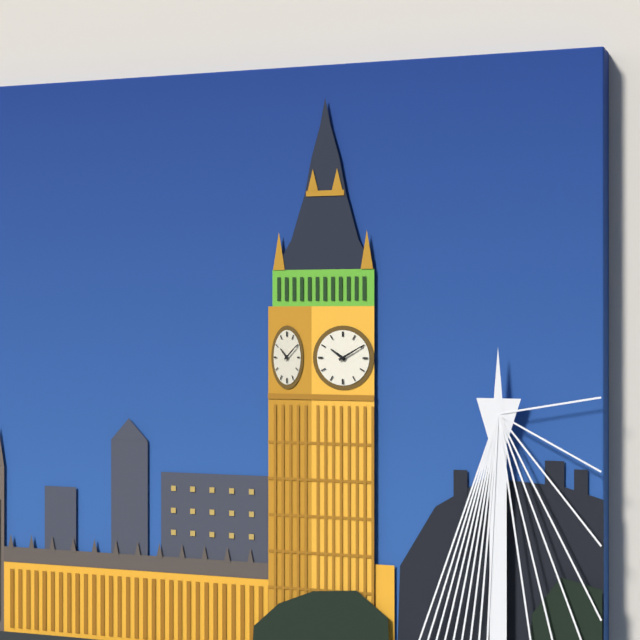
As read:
10 h 10 min
